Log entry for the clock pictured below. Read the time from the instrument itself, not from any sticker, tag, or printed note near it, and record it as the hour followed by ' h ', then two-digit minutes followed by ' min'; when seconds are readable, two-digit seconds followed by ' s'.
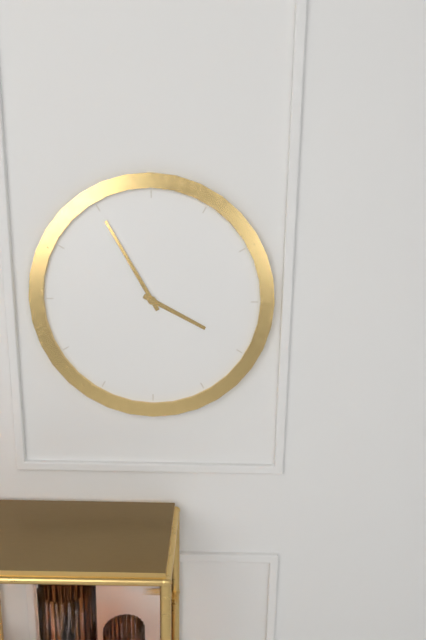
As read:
3 h 55 min
